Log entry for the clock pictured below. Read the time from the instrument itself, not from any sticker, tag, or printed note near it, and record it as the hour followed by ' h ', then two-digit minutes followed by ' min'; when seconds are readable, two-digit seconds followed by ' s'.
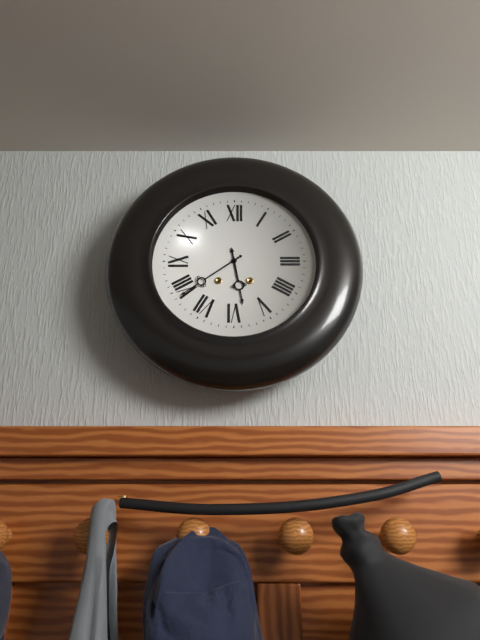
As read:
5 h 39 min
